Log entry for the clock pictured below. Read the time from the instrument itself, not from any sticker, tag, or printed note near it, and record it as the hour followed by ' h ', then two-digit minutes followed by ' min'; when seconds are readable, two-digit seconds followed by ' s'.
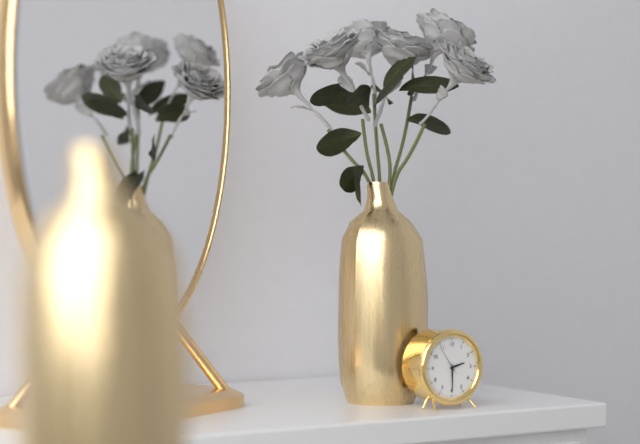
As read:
2 h 30 min
